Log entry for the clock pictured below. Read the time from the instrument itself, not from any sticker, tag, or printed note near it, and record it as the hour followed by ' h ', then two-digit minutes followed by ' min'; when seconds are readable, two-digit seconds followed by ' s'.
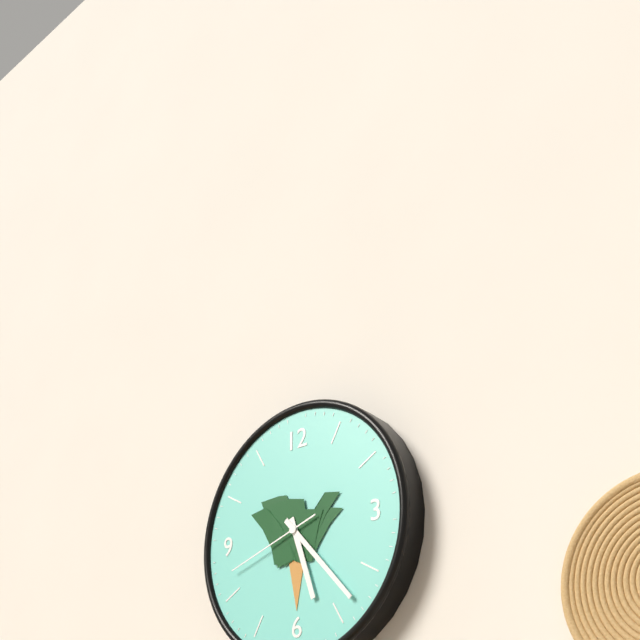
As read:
5 h 23 min 42 s
